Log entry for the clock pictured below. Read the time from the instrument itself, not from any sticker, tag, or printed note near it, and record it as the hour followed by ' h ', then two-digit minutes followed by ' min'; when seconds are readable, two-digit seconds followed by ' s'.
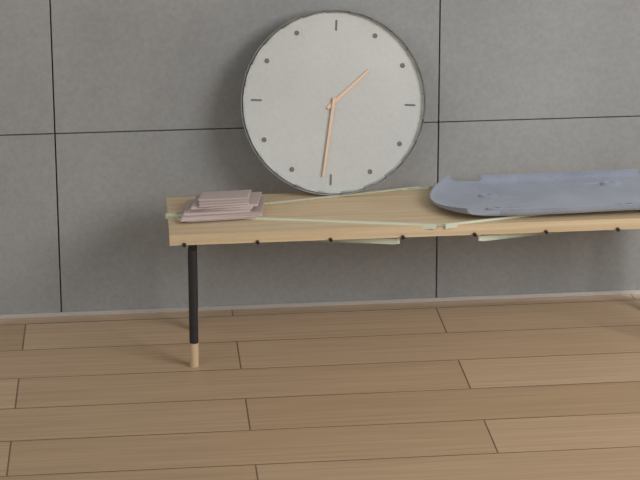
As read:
1 h 31 min
